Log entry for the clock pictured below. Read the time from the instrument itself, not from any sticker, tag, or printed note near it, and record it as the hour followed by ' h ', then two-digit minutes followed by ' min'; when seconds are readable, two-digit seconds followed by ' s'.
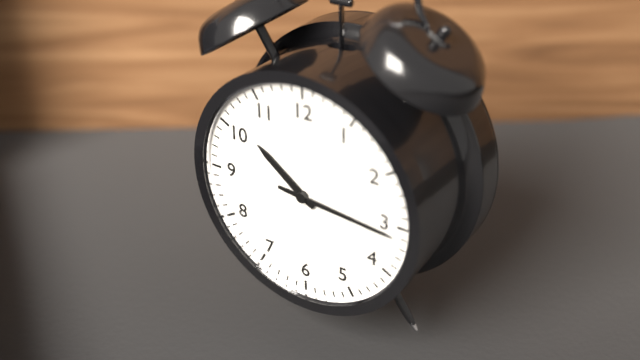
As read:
10 h 16 min
